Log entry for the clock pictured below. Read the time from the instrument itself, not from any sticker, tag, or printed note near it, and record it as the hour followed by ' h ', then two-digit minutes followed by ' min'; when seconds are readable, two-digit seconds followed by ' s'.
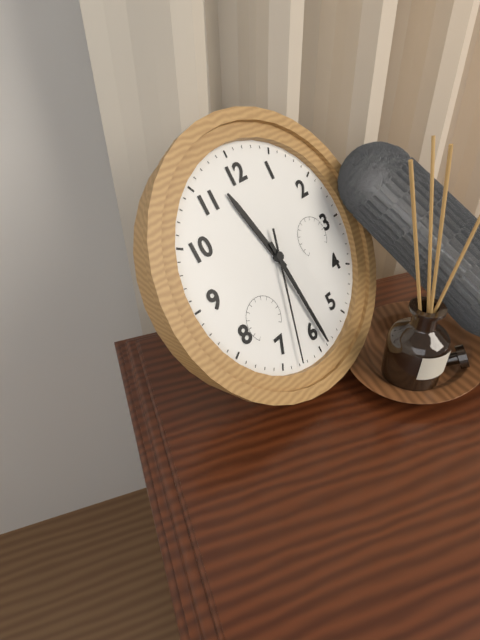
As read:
11 h 29 min 33 s
